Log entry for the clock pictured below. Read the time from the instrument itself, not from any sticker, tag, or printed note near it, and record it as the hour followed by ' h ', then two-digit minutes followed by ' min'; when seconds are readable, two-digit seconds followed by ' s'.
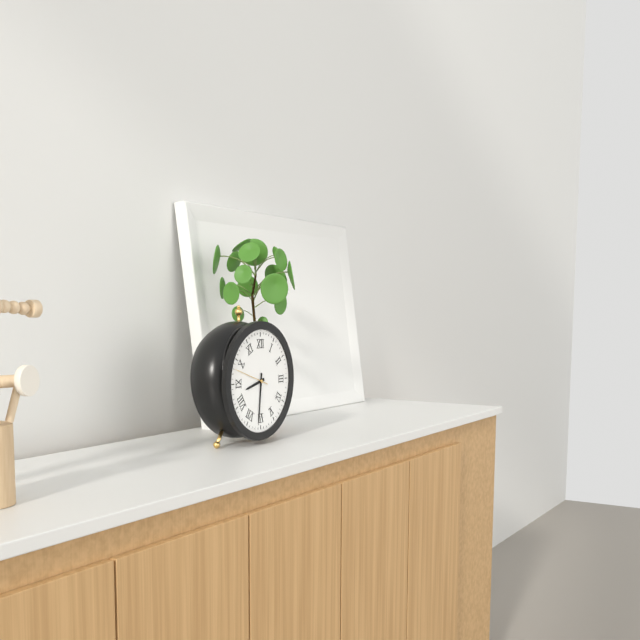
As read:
8 h 31 min
